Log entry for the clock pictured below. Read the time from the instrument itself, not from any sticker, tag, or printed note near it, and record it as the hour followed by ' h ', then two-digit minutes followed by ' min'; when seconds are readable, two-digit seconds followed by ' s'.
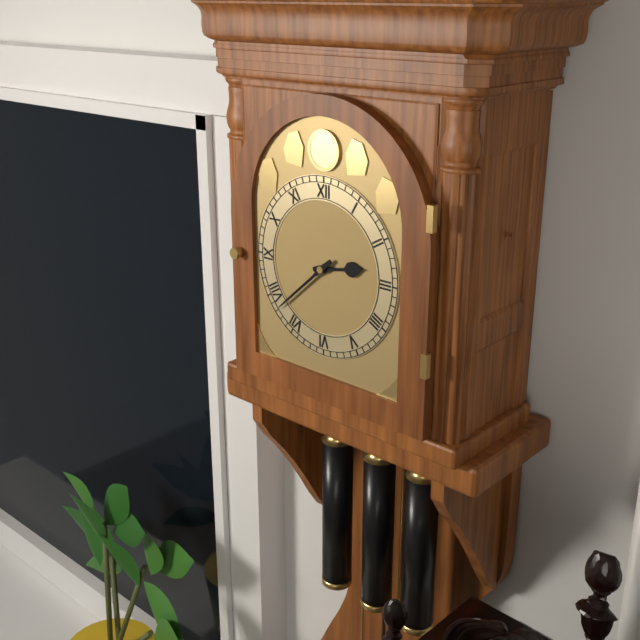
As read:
2 h 38 min
